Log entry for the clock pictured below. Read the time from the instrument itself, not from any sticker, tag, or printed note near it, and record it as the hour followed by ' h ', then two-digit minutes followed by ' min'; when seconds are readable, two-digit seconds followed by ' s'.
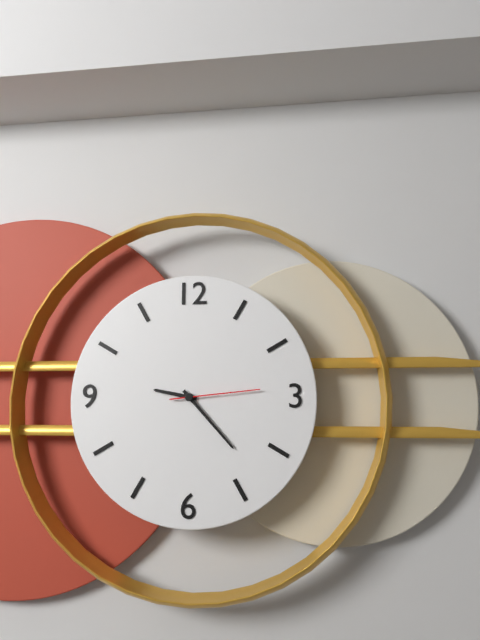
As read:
9 h 23 min 14 s
